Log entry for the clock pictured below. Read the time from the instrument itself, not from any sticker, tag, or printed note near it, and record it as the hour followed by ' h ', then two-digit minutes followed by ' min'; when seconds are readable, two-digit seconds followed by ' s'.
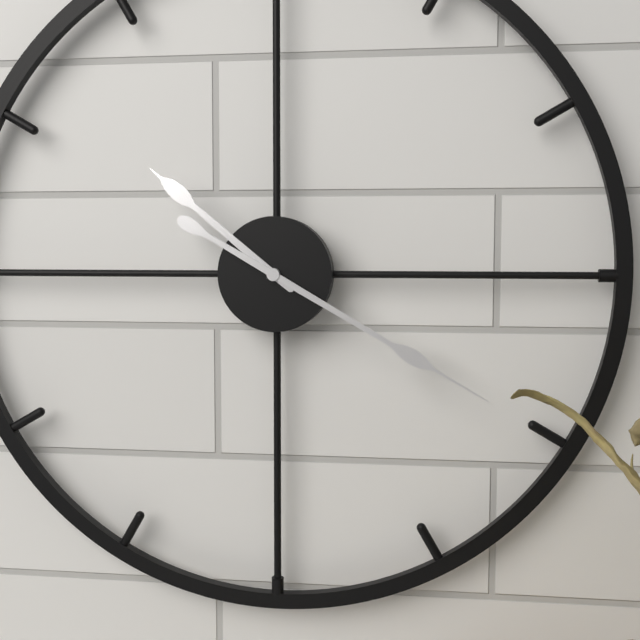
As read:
10 h 20 min
